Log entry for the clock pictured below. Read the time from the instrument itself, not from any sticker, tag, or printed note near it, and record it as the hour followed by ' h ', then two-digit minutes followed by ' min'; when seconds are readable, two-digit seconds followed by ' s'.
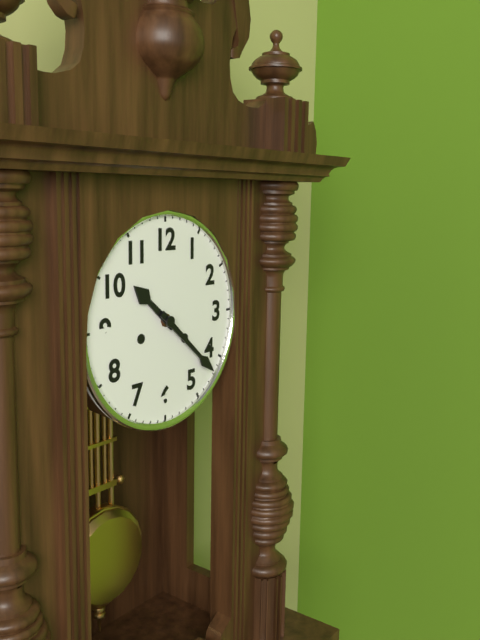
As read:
10 h 22 min
